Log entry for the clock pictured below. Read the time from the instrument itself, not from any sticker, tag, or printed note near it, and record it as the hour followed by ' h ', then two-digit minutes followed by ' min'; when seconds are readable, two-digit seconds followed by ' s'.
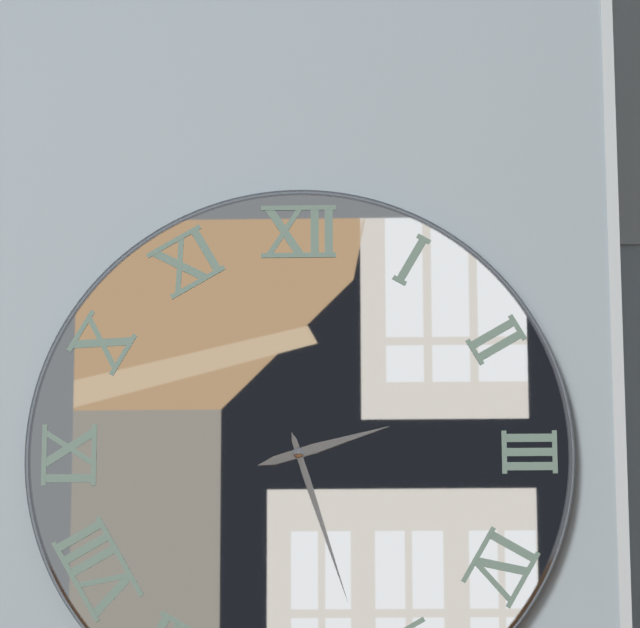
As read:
2 h 27 min
